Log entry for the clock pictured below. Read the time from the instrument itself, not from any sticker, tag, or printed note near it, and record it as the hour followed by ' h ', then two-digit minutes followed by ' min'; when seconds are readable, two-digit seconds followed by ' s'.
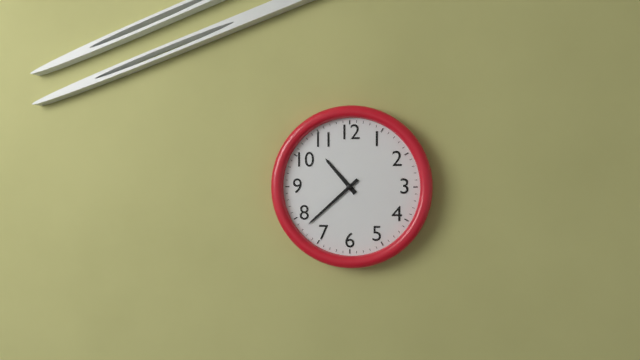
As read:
10 h 38 min
